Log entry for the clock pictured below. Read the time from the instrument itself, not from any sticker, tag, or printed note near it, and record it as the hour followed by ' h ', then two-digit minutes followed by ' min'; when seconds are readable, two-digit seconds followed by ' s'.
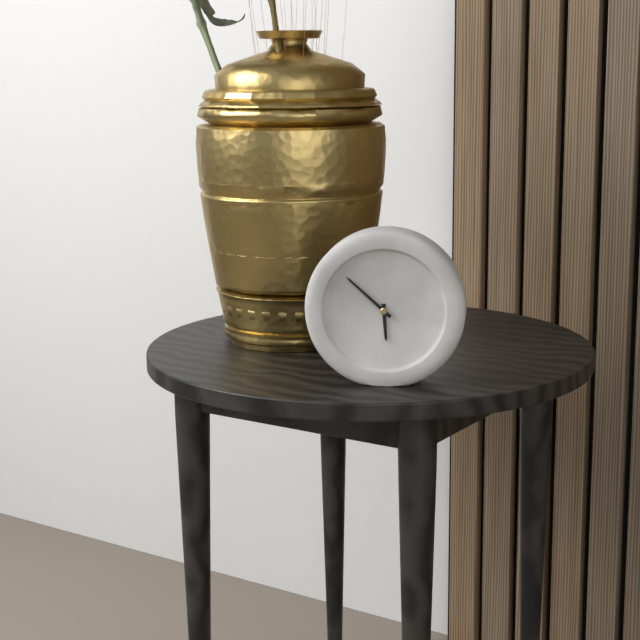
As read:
5 h 52 min
